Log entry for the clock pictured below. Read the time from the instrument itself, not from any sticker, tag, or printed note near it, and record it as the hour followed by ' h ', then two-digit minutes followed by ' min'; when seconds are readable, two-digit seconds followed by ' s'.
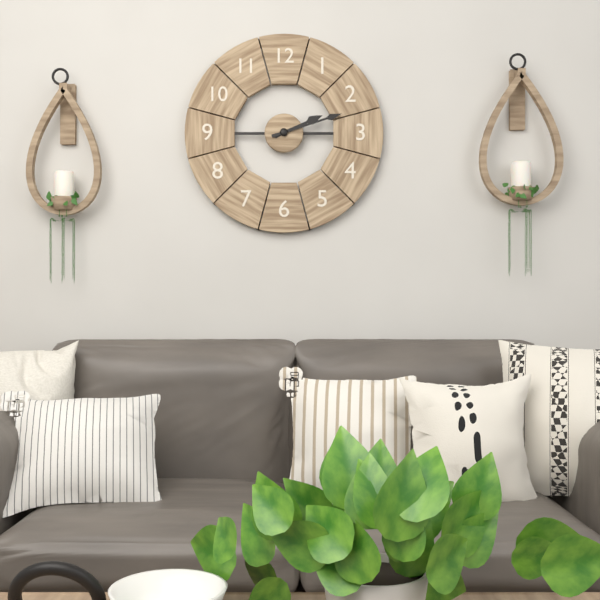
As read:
2 h 12 min
